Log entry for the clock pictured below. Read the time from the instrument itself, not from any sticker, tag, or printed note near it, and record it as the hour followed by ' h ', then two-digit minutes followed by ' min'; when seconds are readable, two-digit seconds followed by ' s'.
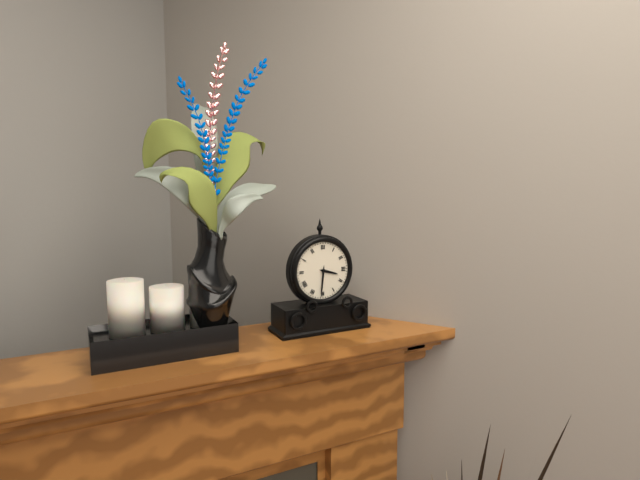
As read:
3 h 31 min
